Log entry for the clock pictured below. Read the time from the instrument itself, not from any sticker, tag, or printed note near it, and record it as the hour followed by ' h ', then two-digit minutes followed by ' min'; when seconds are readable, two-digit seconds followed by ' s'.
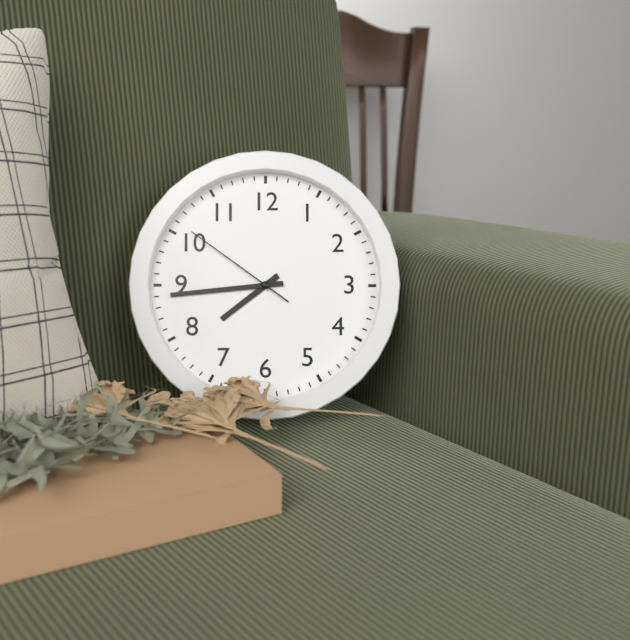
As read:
7 h 44 min 51 s
